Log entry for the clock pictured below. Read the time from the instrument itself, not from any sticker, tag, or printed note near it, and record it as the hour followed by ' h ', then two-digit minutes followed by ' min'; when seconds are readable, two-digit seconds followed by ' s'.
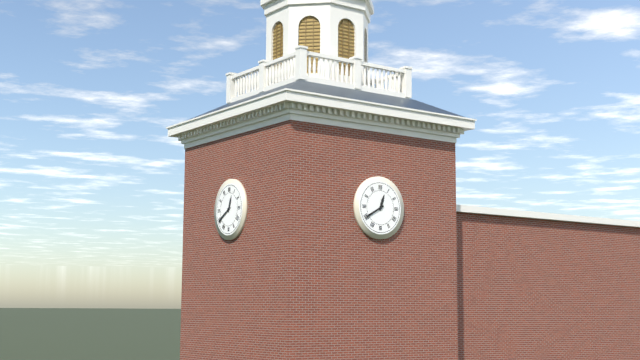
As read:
12 h 40 min
